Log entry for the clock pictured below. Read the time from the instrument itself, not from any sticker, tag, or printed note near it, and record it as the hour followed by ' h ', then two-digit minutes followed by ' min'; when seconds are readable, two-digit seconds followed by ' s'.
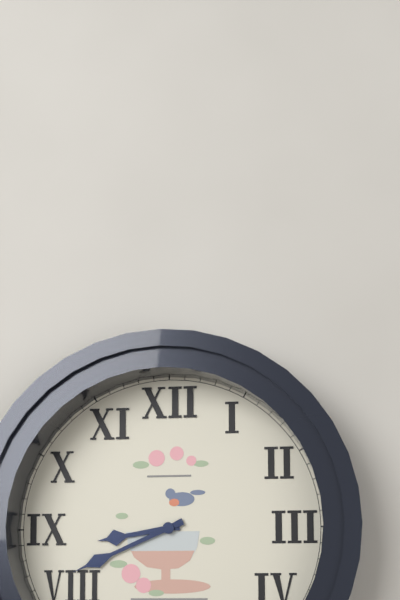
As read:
8 h 41 min
